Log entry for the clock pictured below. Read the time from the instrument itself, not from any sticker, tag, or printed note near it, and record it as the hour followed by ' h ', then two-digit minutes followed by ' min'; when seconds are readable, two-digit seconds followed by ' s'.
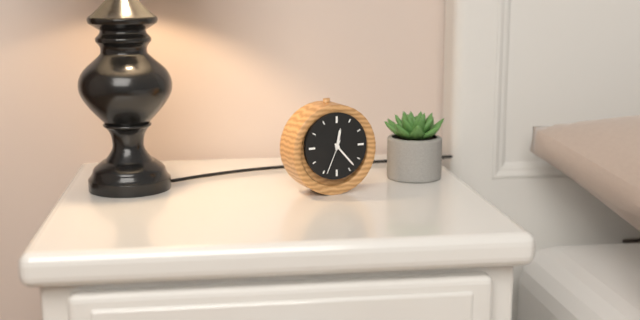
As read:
12 h 23 min
